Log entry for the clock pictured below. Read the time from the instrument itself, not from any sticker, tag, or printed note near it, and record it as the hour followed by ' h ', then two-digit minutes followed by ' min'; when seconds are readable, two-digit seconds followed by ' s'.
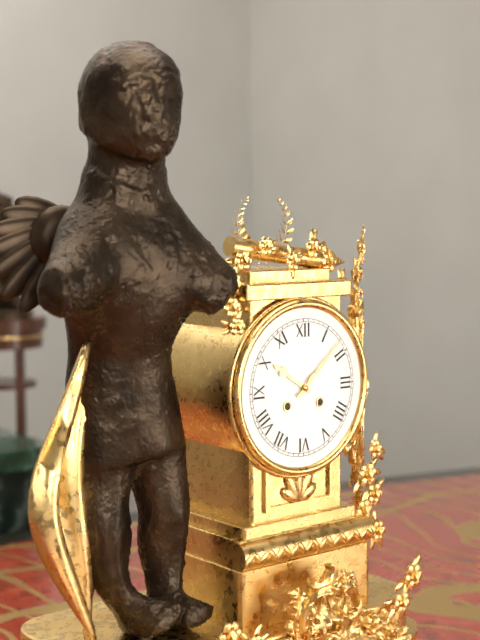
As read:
10 h 08 min
